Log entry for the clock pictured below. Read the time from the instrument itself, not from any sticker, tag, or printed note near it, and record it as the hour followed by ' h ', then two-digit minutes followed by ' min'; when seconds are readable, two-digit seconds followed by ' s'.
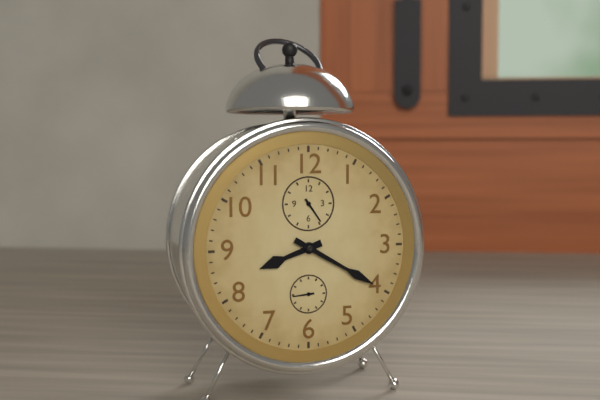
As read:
8 h 20 min
